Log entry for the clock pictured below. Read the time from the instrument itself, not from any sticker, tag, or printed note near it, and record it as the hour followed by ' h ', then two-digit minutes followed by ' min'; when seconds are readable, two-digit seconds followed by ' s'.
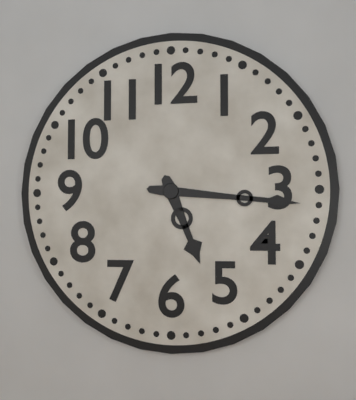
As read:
5 h 16 min
